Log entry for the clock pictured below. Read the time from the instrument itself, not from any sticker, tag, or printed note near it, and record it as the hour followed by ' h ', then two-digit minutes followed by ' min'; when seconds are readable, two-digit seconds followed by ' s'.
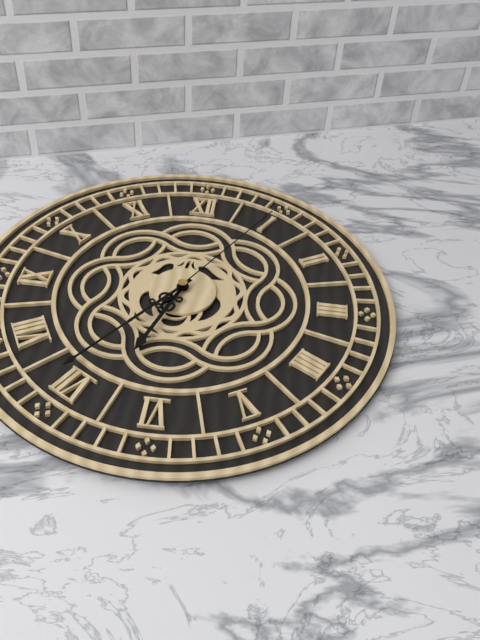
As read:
6 h 36 min 05 s
